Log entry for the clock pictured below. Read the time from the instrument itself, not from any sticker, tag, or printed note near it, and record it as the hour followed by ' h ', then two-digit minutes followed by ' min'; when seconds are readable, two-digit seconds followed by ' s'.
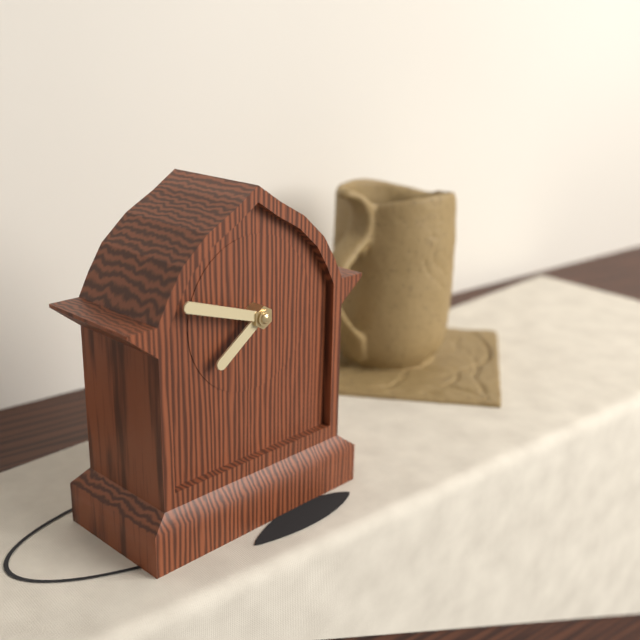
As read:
7 h 48 min
